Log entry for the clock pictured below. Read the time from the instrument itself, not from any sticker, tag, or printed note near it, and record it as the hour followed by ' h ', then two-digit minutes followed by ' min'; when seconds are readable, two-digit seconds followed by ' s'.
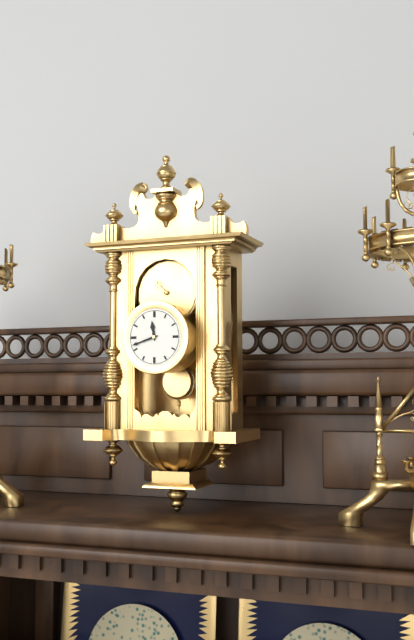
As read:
11 h 42 min
